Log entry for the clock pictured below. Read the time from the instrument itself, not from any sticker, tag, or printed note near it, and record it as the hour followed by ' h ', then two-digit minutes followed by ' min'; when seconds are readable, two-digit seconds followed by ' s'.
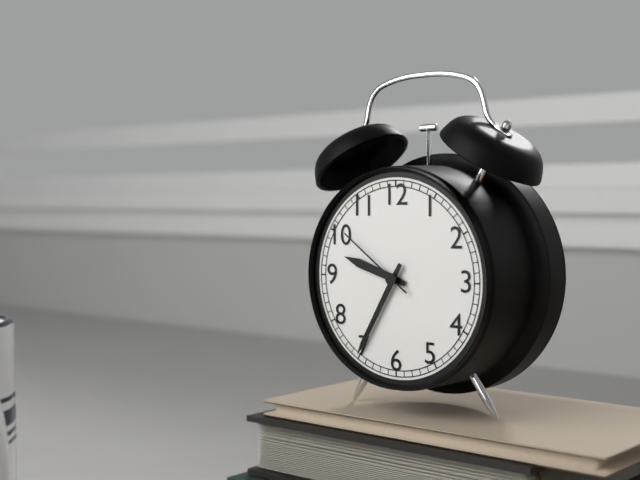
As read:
9 h 35 min 51 s
